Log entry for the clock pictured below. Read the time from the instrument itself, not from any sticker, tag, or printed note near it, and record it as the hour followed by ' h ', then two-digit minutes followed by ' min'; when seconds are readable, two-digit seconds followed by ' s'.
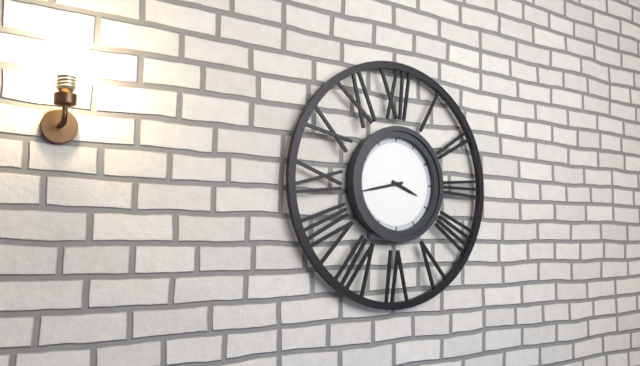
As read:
3 h 43 min
